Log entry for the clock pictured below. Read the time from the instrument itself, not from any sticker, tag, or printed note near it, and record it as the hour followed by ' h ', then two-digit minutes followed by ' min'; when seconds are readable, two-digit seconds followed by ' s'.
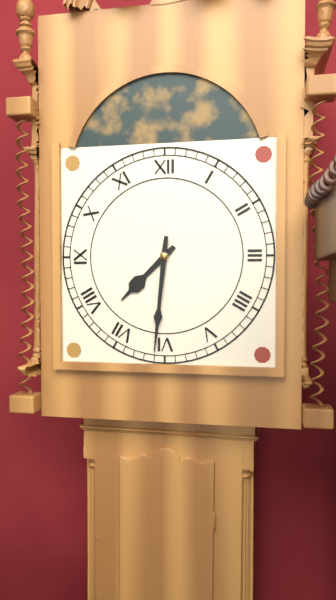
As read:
7 h 31 min
